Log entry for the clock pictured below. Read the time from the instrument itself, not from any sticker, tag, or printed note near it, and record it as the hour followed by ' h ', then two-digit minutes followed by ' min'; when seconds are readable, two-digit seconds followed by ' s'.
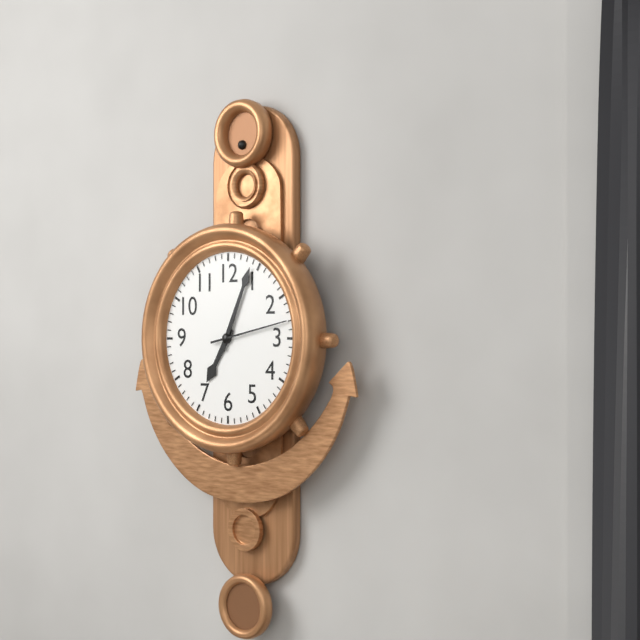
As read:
7 h 04 min 13 s
